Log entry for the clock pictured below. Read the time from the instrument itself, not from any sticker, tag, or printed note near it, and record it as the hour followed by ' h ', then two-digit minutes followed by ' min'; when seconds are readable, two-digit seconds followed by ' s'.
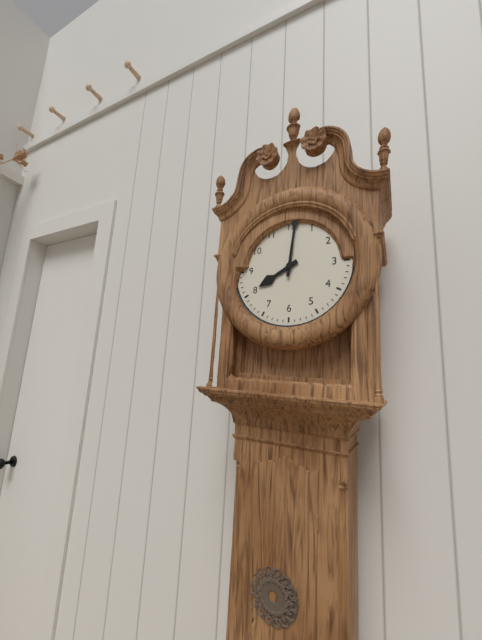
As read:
8 h 01 min
